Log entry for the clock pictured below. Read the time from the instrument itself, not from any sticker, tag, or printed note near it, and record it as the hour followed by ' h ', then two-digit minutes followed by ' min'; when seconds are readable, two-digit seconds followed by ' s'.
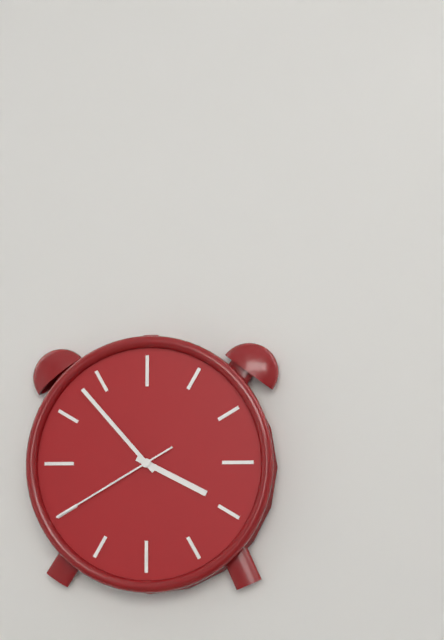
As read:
3 h 53 min 40 s
